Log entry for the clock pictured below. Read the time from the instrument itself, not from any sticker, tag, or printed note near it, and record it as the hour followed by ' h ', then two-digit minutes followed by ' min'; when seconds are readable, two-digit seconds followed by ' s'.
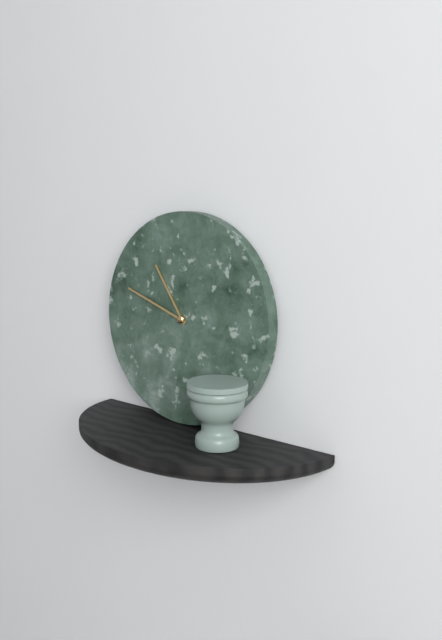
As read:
10 h 48 min
